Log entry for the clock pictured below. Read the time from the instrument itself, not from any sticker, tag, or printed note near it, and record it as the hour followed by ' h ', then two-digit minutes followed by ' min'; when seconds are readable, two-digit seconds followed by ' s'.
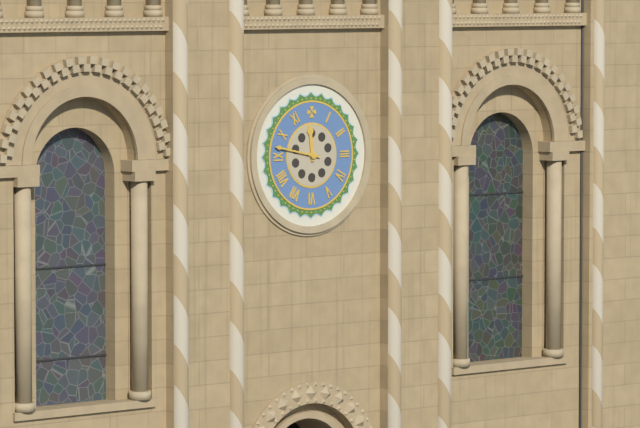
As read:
11 h 47 min
